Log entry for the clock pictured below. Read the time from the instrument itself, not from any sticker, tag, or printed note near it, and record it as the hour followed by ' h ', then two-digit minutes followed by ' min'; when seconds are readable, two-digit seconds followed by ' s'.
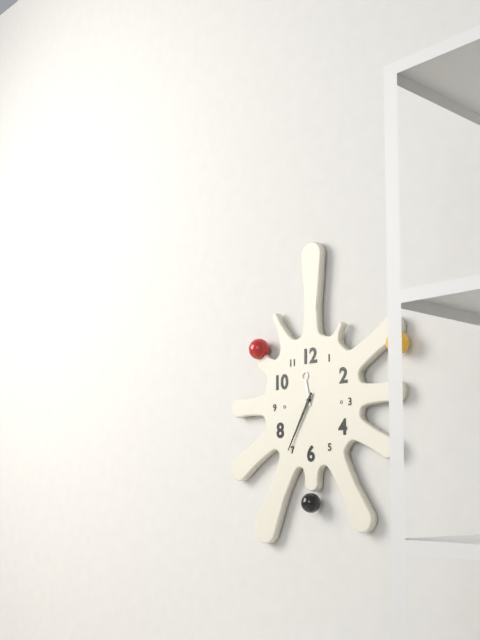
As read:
11 h 35 min
